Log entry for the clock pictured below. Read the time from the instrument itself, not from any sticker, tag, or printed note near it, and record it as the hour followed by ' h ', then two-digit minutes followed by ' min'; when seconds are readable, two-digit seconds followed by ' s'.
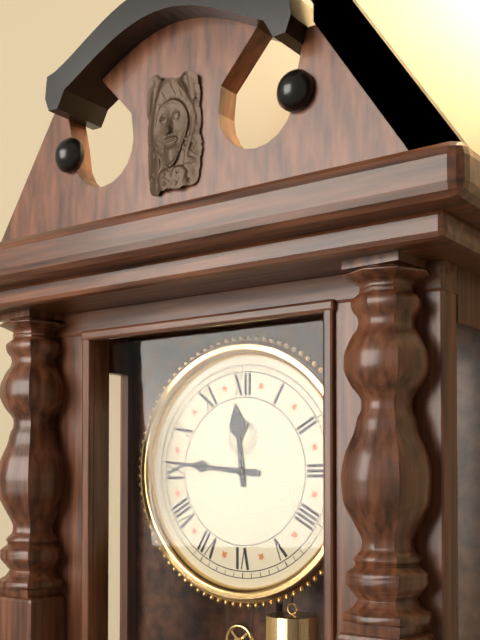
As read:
11 h 46 min
